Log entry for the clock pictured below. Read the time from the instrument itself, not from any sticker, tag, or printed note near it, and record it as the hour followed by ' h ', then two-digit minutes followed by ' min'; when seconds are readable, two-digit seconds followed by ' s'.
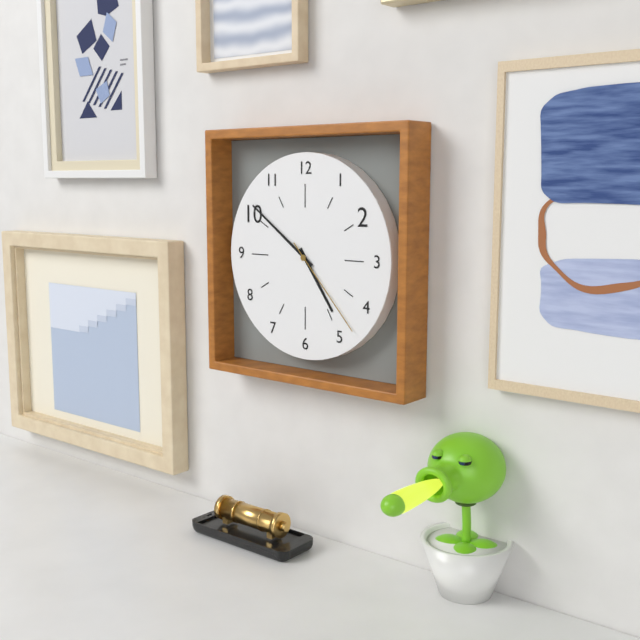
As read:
4 h 51 min 23 s
